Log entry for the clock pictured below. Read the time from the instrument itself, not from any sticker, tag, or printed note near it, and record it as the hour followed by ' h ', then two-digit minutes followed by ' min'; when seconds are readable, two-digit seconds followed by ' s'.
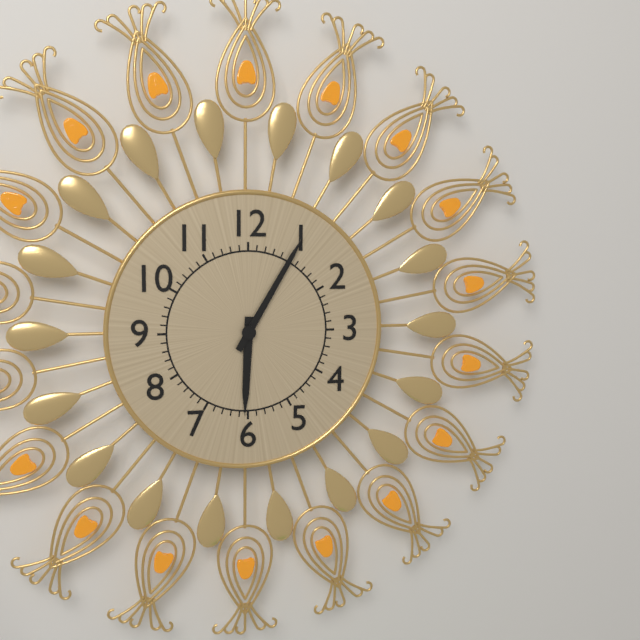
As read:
6 h 05 min
